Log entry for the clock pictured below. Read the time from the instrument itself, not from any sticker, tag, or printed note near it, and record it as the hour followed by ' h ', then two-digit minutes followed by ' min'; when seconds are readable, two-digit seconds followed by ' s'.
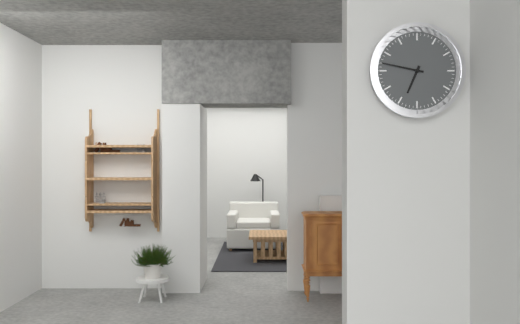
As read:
6 h 47 min
